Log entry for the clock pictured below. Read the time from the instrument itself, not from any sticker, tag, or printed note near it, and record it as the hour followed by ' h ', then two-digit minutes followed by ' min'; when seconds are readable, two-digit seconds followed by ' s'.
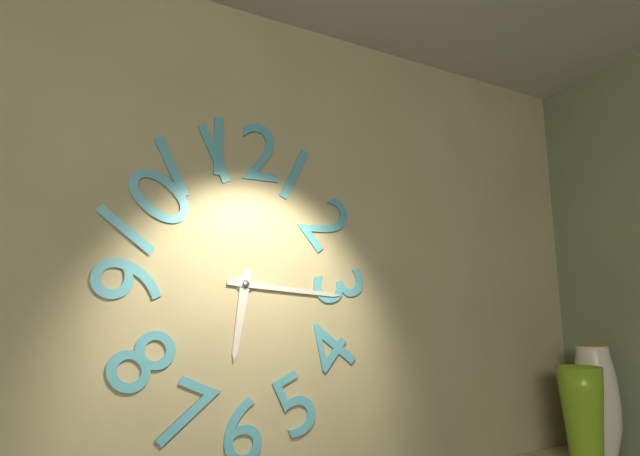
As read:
6 h 16 min
